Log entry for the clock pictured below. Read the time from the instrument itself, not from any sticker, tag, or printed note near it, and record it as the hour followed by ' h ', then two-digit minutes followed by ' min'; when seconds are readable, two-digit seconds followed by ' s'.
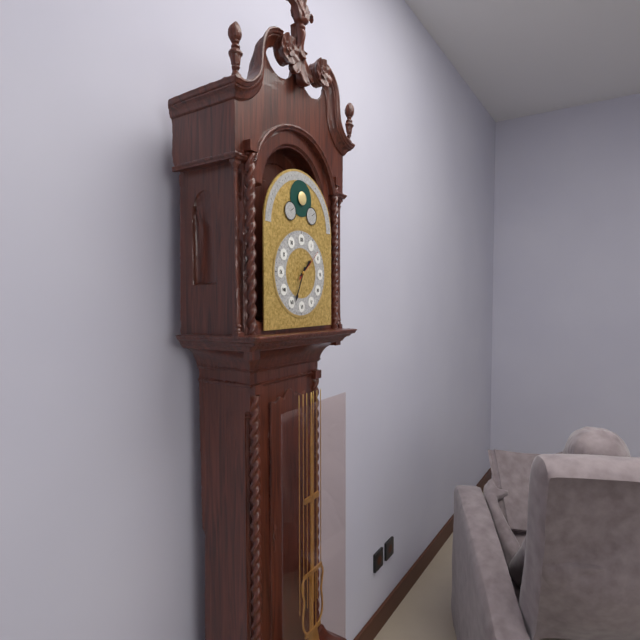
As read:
1 h 34 min
